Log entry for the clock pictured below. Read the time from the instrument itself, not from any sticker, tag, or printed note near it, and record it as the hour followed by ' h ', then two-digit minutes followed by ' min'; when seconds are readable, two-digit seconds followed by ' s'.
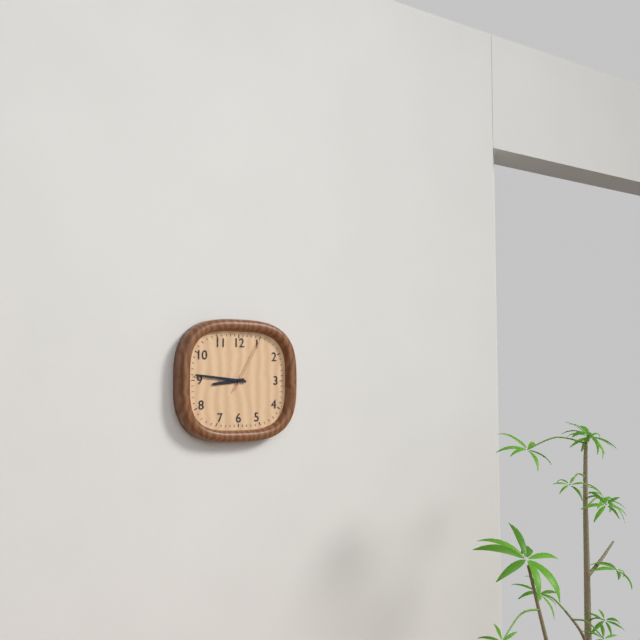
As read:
8 h 46 min 05 s
